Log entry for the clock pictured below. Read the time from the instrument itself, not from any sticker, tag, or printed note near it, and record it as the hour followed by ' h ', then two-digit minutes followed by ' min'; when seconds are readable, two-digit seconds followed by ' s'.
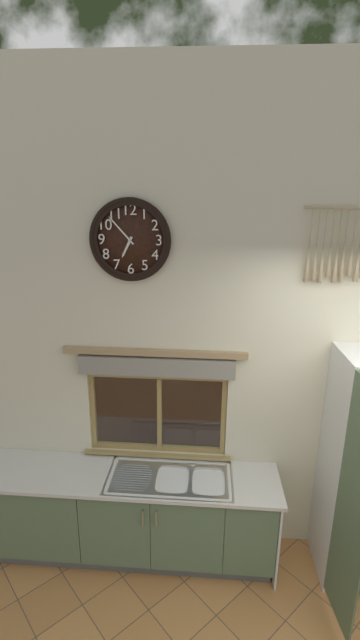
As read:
6 h 53 min
